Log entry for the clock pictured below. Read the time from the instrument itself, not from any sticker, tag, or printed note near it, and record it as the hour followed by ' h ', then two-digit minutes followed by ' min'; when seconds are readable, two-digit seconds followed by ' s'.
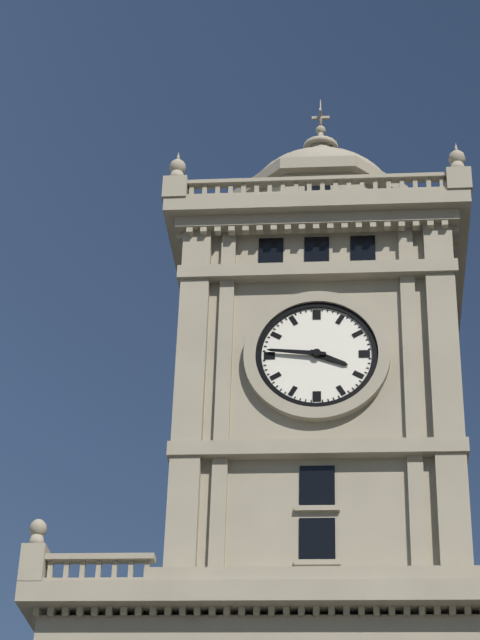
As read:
3 h 46 min
